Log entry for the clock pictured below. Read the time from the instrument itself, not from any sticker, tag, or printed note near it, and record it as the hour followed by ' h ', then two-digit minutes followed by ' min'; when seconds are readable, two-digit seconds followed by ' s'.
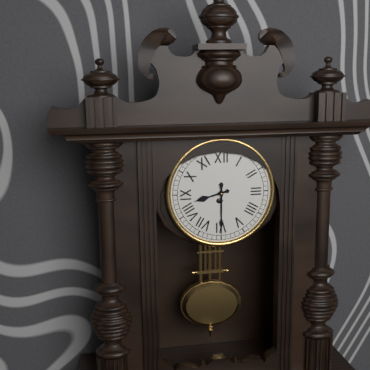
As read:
8 h 30 min
